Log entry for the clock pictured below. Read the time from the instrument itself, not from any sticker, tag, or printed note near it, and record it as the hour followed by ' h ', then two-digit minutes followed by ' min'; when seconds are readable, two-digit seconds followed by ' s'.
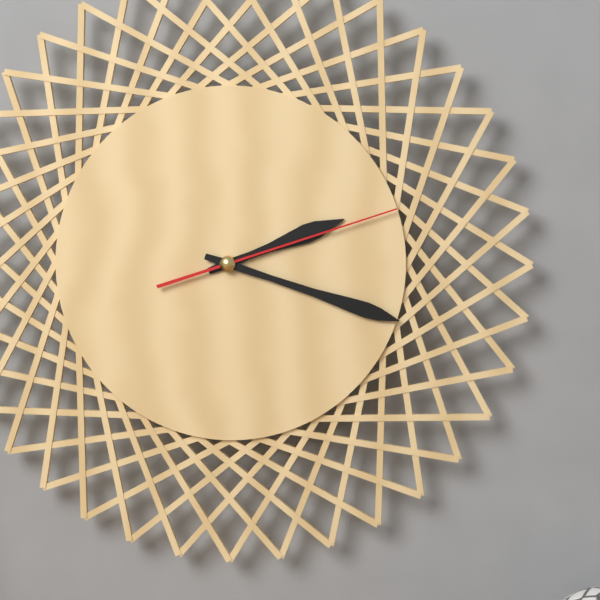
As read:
2 h 18 min 12 s
